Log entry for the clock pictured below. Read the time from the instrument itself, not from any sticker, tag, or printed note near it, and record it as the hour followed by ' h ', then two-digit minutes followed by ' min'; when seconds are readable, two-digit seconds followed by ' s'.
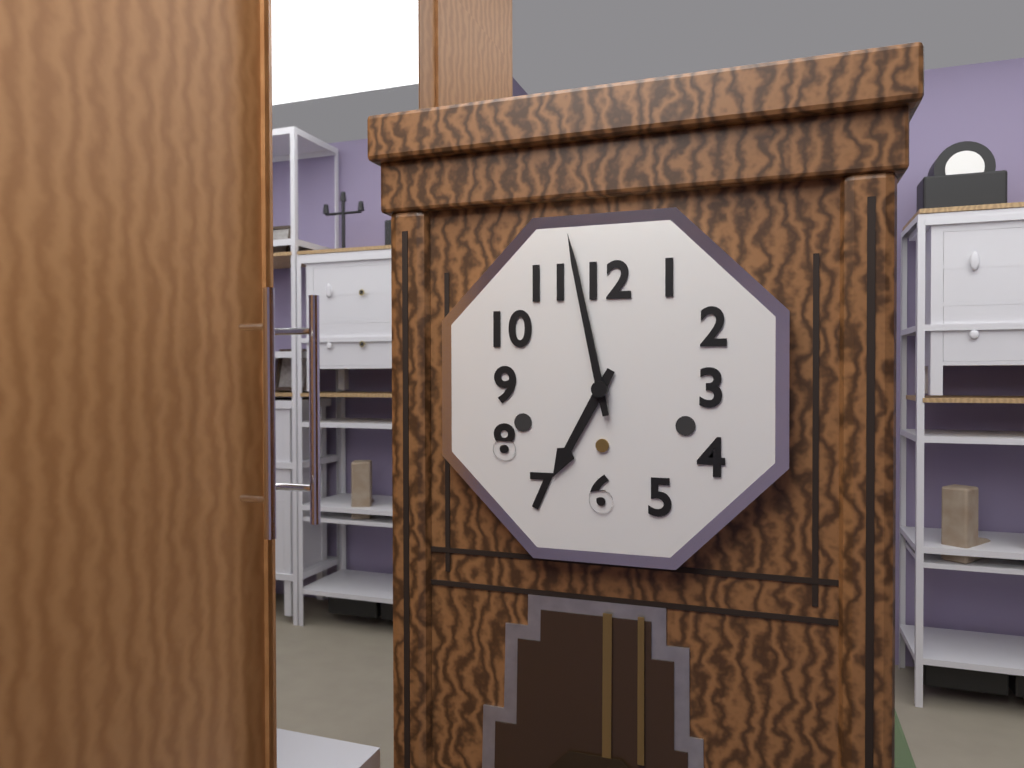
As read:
6 h 58 min
